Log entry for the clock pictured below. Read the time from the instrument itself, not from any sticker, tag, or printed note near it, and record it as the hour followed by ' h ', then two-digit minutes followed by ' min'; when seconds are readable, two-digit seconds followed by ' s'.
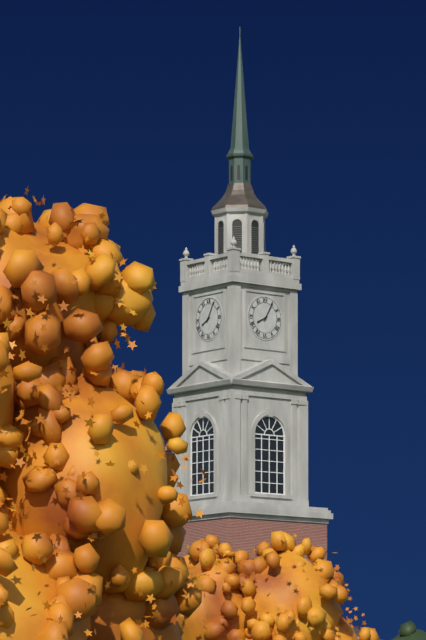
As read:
8 h 05 min
